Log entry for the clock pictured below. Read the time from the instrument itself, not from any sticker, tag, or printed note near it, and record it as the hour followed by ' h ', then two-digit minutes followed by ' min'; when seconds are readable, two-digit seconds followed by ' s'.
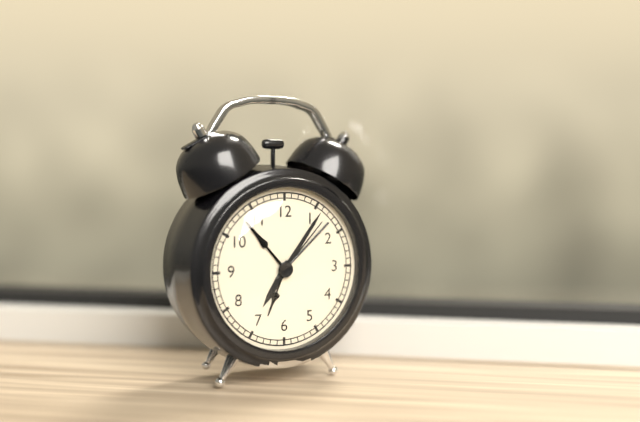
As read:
7 h 06 min 07 s
